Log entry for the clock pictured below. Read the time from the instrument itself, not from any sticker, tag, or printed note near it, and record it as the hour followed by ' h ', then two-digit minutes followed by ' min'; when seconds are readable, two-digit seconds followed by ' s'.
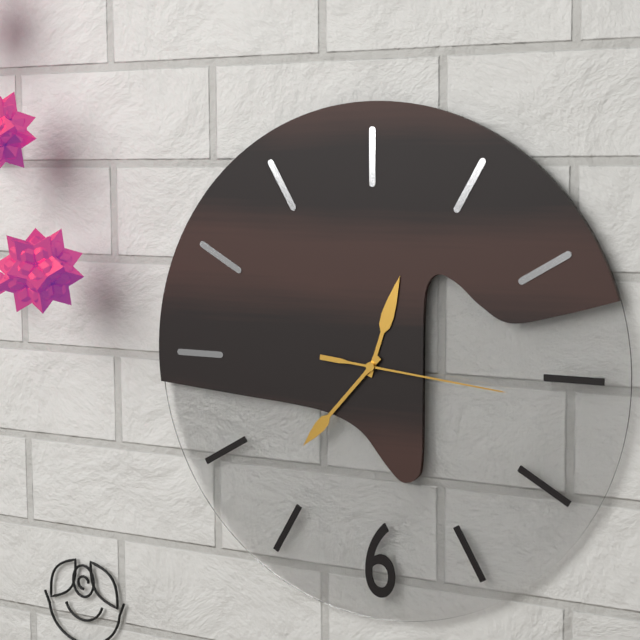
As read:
12 h 37 min 16 s
